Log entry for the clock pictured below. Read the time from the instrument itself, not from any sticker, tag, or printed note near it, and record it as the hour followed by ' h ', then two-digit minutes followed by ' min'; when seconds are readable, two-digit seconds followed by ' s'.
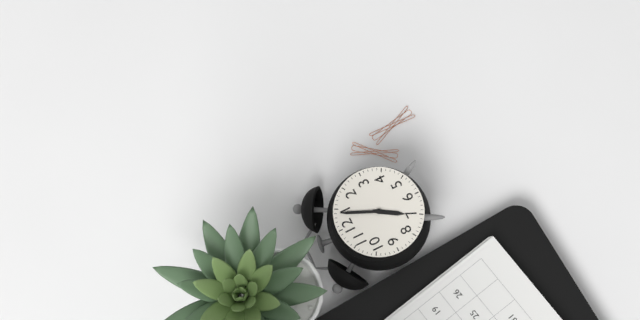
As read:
7 h 04 min
